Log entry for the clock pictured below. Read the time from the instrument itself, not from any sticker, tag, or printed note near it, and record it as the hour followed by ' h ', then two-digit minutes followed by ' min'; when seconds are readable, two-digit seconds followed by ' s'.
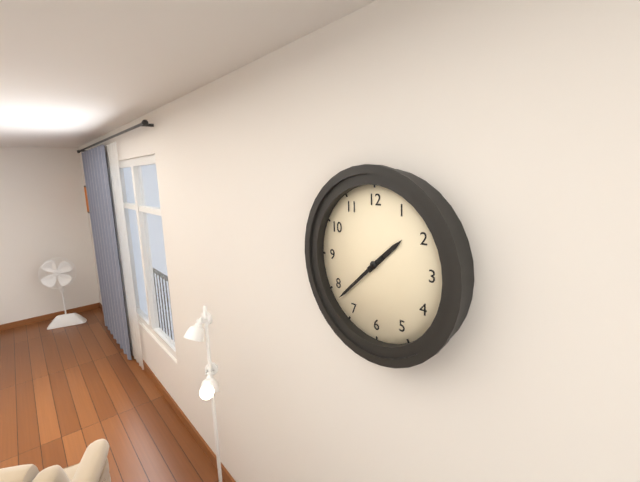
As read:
1 h 38 min
